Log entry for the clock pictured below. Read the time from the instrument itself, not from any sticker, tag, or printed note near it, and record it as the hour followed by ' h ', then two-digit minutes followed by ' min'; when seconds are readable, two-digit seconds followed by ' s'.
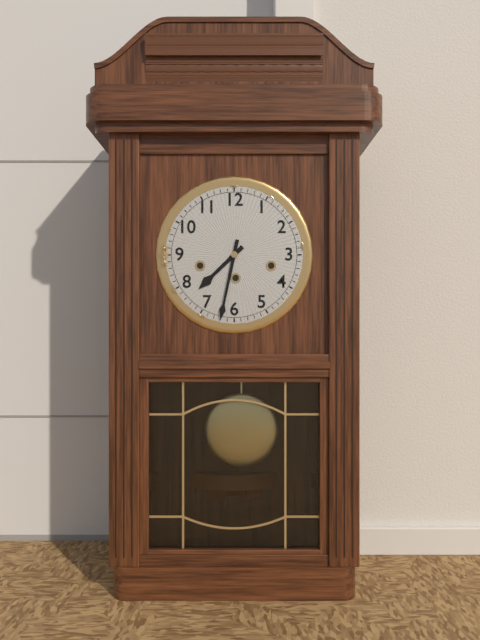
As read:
7 h 32 min
